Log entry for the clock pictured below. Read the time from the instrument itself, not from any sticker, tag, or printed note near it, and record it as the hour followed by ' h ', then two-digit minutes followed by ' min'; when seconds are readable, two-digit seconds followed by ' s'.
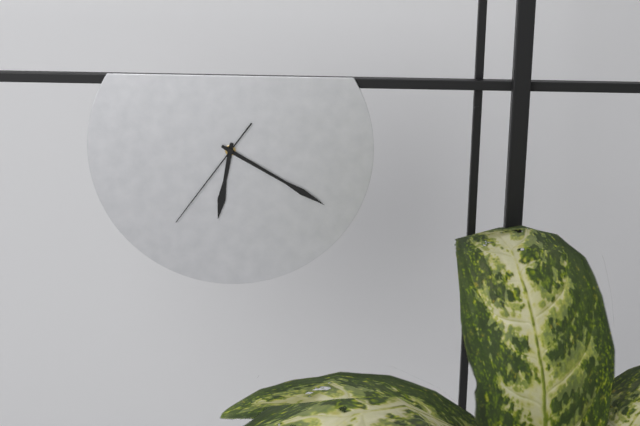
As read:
6 h 20 min 36 s
